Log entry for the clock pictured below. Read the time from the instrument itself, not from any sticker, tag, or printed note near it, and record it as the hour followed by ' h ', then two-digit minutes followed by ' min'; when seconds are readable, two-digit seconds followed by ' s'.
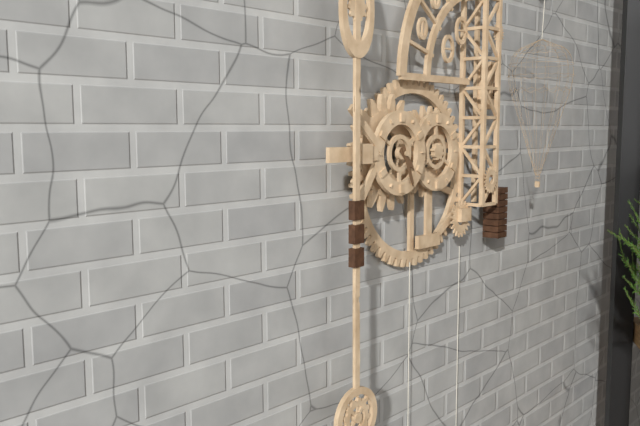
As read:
4 h 26 min
